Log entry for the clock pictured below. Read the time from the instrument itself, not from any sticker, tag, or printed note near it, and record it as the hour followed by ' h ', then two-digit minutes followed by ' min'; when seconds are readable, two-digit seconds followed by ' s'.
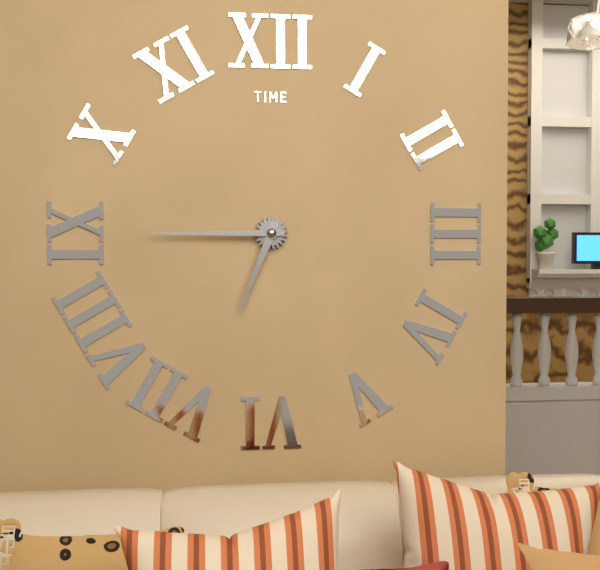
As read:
6 h 45 min
